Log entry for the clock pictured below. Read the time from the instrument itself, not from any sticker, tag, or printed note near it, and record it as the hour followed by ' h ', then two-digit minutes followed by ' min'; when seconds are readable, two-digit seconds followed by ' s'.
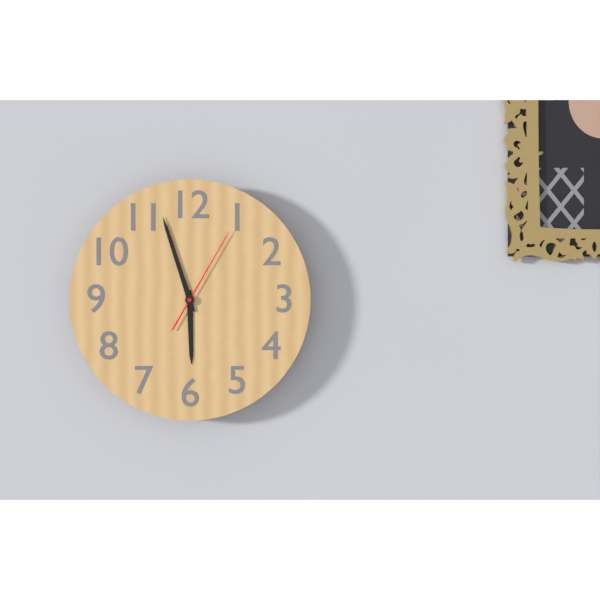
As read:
5 h 57 min 05 s
